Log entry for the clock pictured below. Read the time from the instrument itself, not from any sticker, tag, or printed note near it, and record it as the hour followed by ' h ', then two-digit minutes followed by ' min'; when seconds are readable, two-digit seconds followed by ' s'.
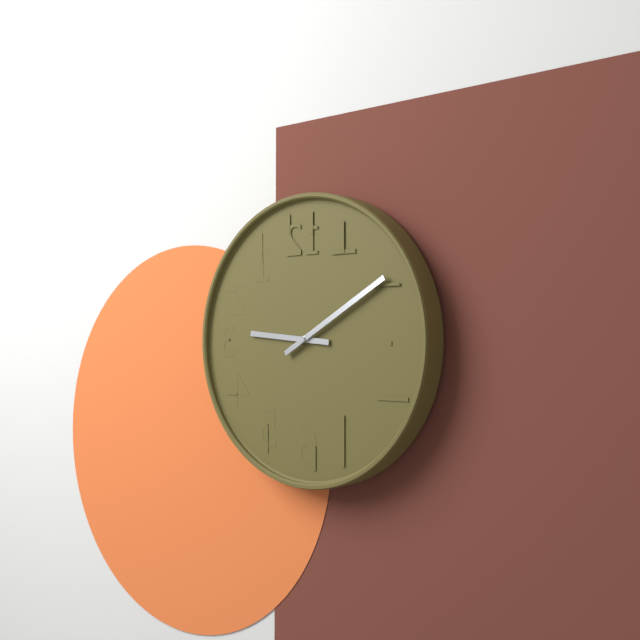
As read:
9 h 10 min
